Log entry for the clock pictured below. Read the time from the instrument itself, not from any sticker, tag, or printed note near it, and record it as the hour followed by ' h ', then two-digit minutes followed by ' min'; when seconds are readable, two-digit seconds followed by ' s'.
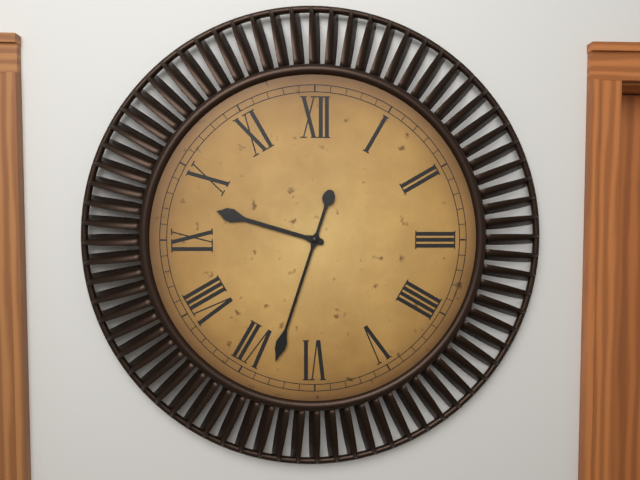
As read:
9 h 33 min
